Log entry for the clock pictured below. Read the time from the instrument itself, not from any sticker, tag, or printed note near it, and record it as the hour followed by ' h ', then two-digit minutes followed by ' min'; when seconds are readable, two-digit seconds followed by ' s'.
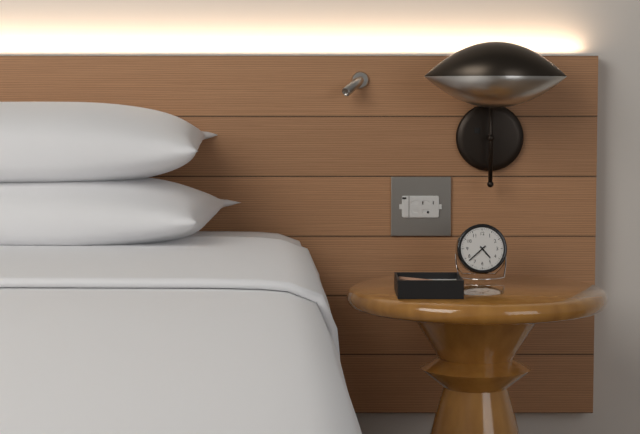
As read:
4 h 38 min
